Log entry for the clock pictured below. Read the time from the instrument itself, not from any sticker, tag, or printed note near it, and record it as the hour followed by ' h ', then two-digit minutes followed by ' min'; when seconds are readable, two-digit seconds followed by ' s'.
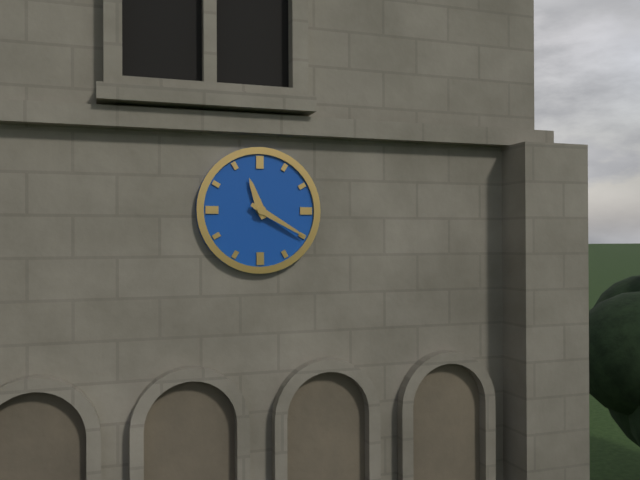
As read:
11 h 20 min
